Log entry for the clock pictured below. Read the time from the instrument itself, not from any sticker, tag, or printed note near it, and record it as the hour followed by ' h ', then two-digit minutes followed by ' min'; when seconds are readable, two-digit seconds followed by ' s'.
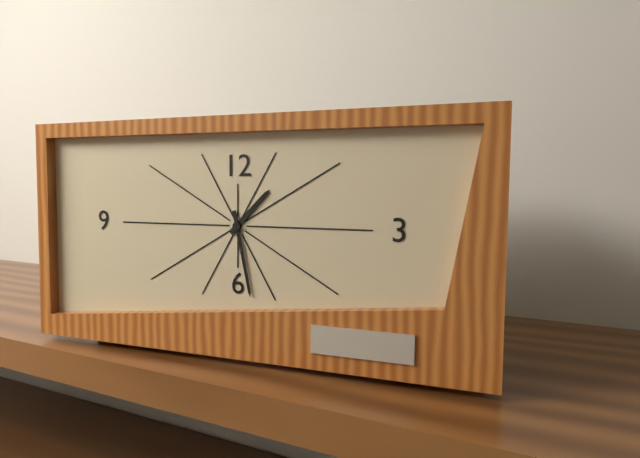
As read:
1 h 28 min
